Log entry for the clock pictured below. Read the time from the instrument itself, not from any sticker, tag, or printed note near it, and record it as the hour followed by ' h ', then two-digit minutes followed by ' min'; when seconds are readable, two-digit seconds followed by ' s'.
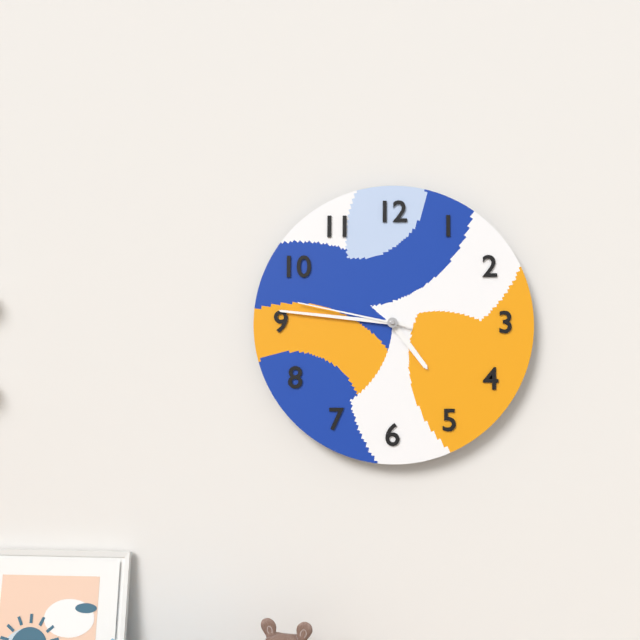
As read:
4 h 46 min 47 s
